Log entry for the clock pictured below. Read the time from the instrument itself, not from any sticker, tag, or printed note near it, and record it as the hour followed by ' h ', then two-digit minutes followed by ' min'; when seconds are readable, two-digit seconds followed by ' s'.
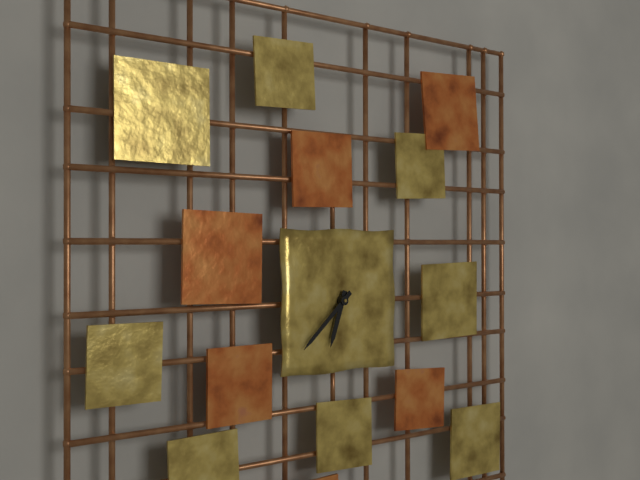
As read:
6 h 38 min
